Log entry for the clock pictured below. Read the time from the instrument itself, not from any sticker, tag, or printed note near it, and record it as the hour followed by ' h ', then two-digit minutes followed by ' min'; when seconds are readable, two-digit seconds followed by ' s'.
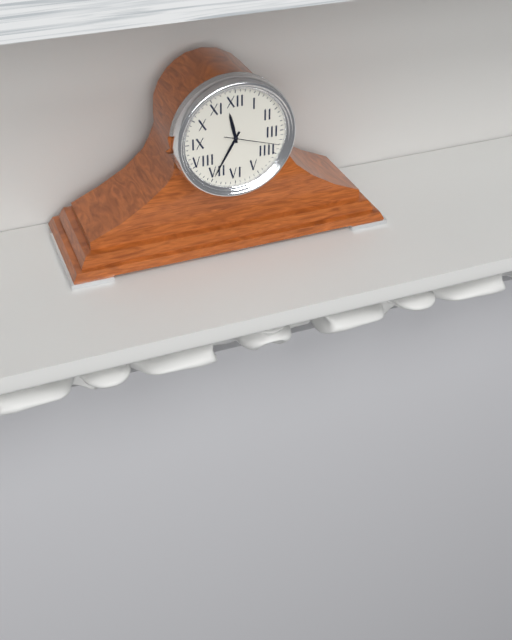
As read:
11 h 35 min 18 s
